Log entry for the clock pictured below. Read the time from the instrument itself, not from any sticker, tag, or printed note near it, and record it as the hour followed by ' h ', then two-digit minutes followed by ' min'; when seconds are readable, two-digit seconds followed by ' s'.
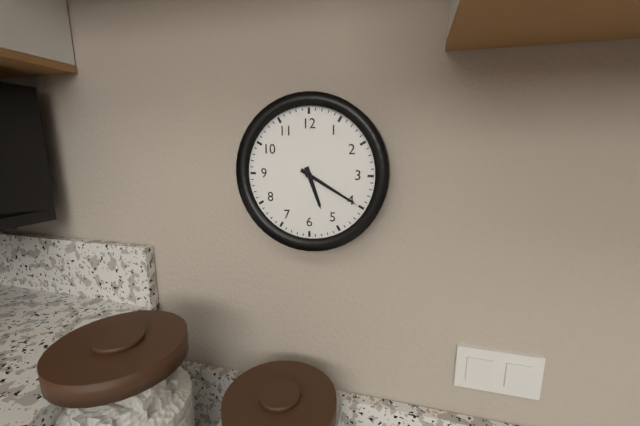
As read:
5 h 20 min
